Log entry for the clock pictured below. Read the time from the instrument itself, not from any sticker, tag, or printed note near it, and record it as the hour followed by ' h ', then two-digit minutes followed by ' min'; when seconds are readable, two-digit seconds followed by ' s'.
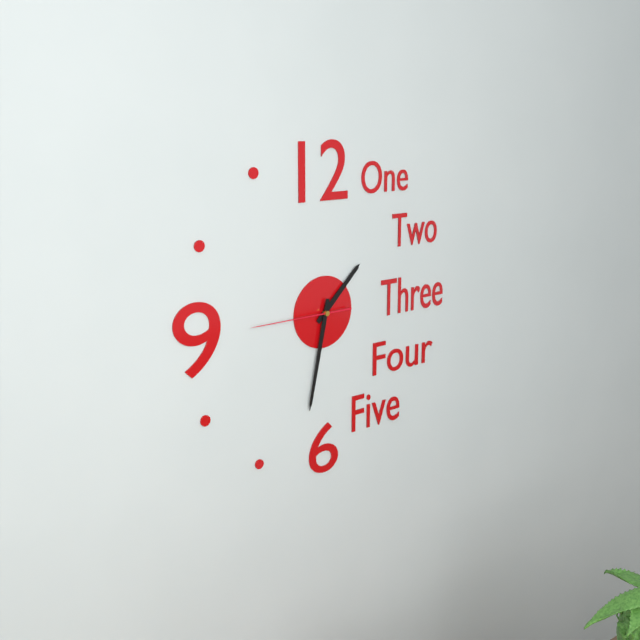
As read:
1 h 32 min 45 s
